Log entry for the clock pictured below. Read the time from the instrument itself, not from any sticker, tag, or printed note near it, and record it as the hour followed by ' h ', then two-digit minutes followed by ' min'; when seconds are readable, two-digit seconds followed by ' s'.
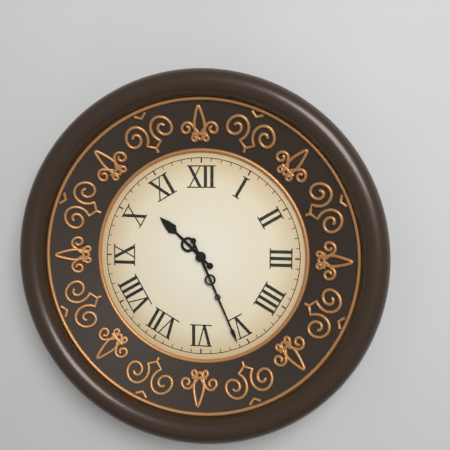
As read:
10 h 26 min
